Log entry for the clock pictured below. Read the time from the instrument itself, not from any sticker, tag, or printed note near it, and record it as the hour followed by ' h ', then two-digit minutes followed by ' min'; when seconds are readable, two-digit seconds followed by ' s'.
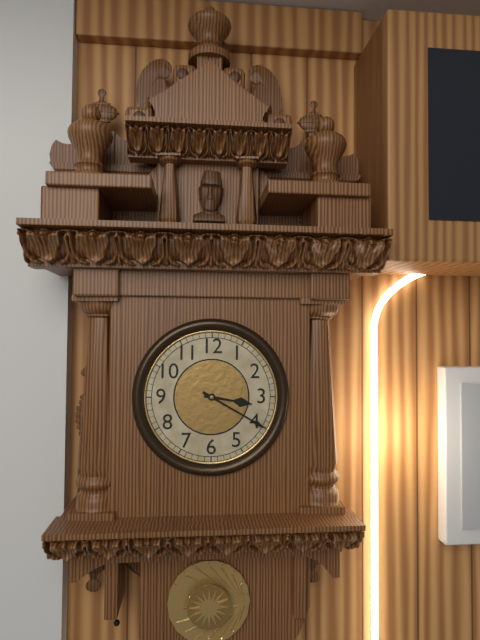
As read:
3 h 20 min
